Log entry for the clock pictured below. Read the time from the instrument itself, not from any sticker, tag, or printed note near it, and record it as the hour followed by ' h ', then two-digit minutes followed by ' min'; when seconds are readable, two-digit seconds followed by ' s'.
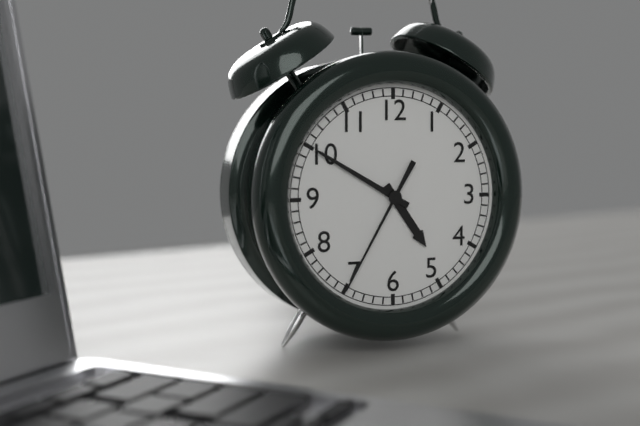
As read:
4 h 50 min 35 s
